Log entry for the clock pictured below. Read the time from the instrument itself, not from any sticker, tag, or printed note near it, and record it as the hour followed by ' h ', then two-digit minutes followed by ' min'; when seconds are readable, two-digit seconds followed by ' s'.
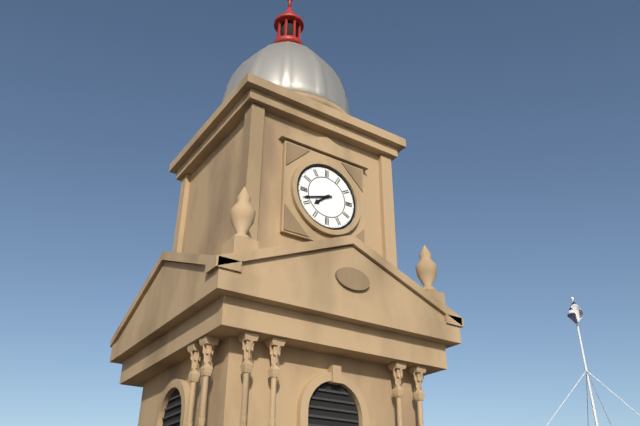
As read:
7 h 42 min
